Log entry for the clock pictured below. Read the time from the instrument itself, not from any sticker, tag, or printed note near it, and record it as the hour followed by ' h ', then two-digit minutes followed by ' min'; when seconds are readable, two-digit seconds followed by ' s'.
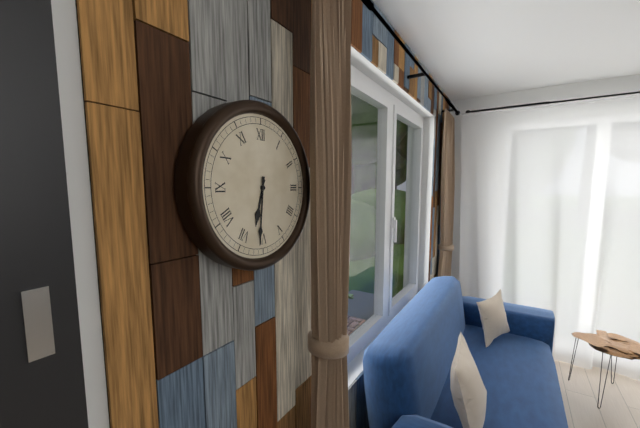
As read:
6 h 31 min
